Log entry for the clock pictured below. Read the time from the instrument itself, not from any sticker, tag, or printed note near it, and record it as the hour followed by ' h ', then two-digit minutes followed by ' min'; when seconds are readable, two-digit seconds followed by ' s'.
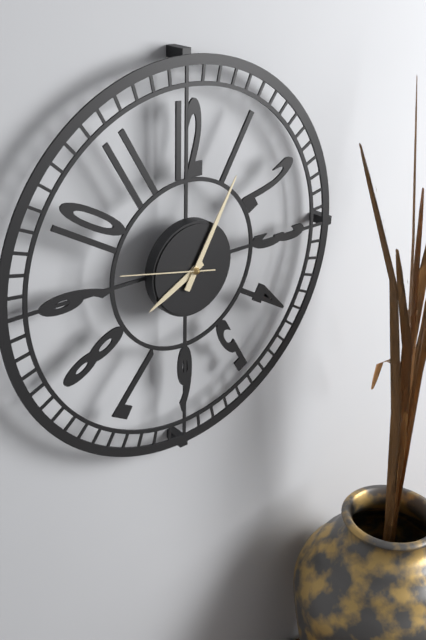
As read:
8 h 05 min 47 s
